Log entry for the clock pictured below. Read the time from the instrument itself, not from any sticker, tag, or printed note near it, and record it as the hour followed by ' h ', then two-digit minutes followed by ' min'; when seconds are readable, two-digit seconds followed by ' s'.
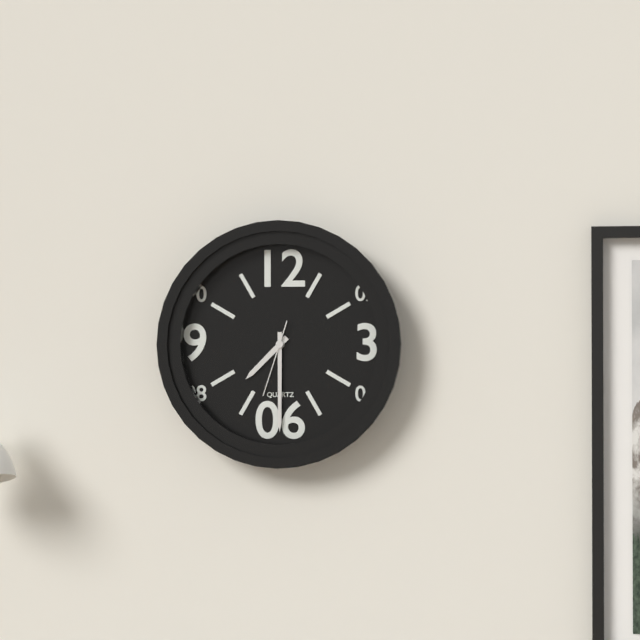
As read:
7 h 30 min 33 s
